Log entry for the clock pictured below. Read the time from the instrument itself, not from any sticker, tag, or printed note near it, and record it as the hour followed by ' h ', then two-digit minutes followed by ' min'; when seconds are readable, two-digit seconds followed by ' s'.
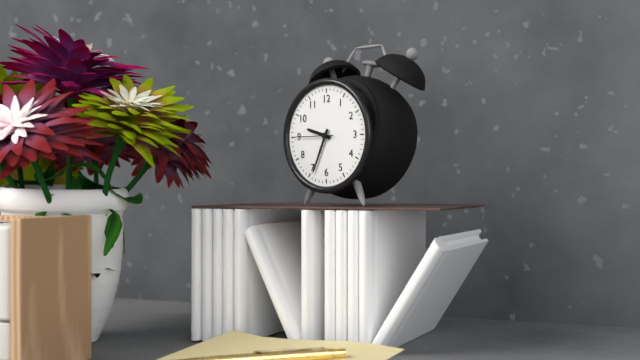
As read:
9 h 34 min
